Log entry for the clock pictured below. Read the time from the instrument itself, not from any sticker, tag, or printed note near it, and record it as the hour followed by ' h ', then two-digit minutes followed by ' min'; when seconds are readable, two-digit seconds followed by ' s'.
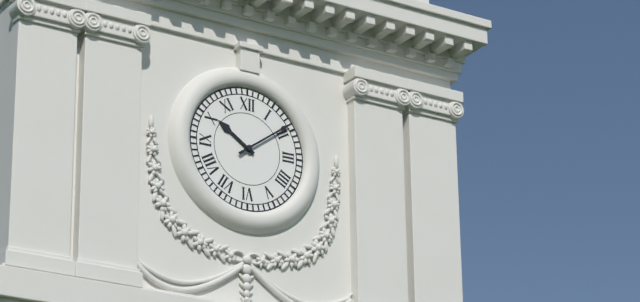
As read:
10 h 09 min
